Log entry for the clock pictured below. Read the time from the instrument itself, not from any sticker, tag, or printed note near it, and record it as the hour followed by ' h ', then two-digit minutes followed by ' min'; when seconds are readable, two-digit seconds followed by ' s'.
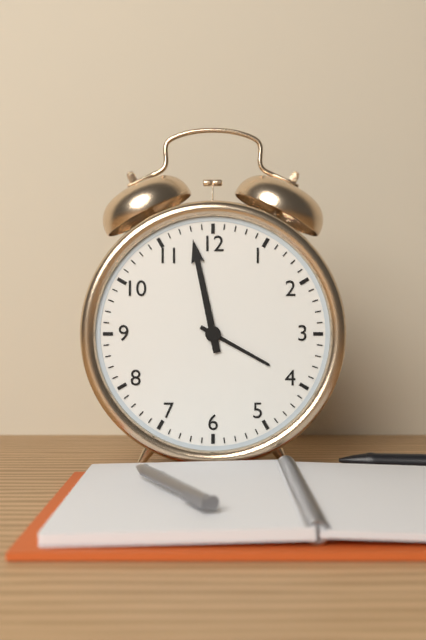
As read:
3 h 58 min
